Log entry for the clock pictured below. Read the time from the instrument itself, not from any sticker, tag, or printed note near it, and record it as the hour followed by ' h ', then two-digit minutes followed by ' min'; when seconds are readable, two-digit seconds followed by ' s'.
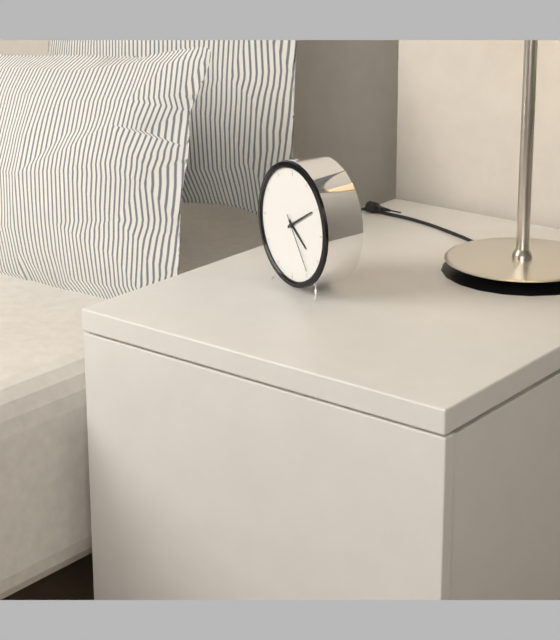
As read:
4 h 10 min 24 s
